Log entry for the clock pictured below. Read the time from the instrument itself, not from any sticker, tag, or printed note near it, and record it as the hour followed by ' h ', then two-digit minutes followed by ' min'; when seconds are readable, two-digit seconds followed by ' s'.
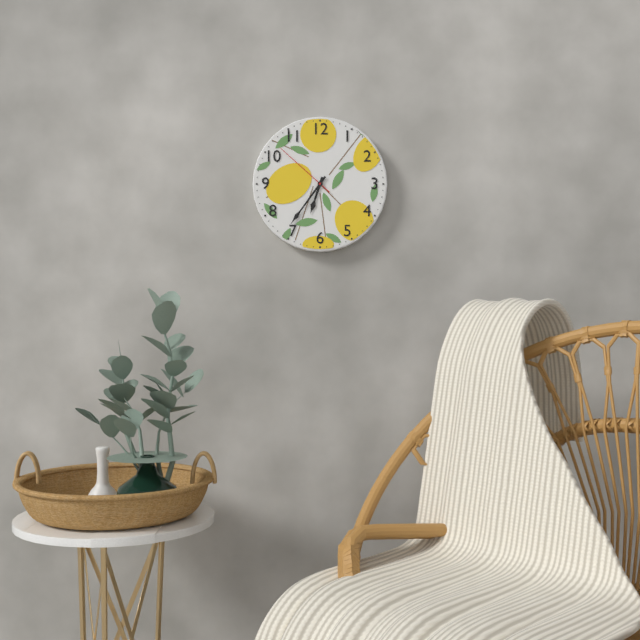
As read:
6 h 36 min 52 s
